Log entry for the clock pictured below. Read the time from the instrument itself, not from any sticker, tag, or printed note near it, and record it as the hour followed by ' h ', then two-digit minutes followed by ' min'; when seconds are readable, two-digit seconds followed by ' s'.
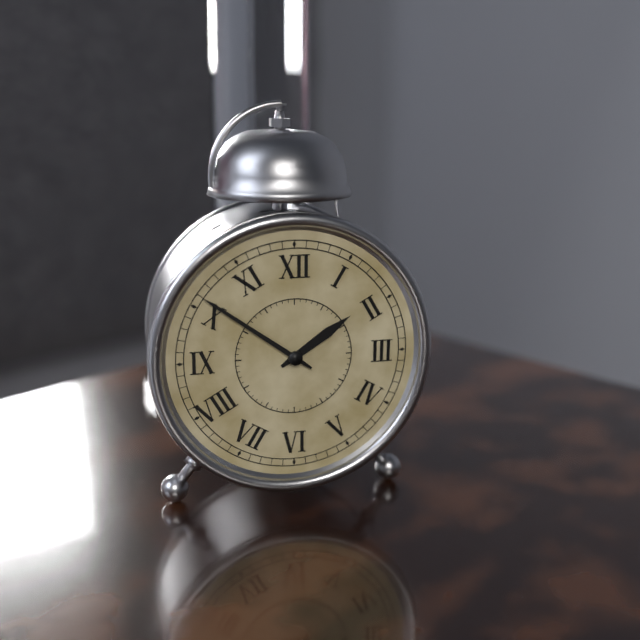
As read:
1 h 51 min
